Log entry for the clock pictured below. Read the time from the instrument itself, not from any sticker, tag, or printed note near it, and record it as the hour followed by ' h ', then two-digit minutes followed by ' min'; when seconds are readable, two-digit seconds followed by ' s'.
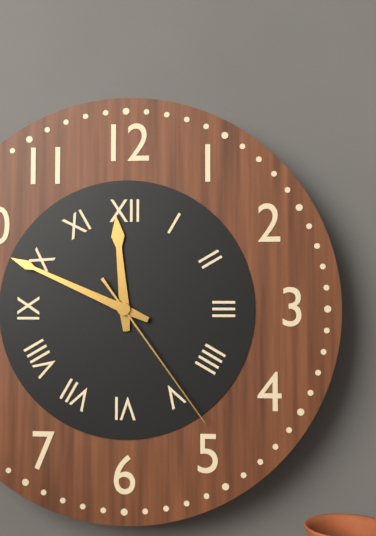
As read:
11 h 49 min 24 s
